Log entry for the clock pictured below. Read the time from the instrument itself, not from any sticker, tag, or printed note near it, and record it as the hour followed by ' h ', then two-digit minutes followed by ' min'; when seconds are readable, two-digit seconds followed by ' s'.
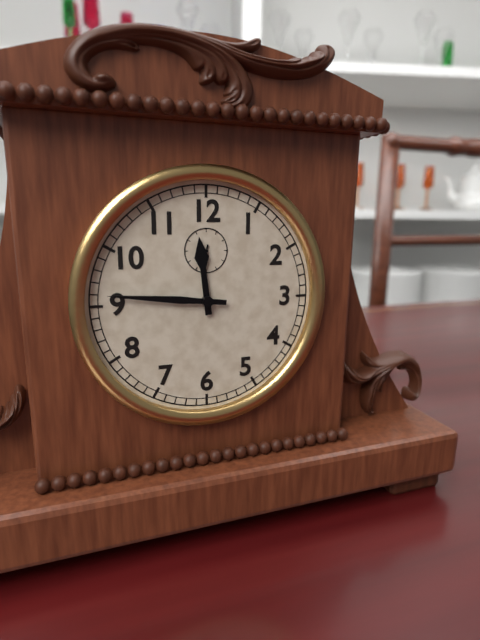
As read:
11 h 46 min
